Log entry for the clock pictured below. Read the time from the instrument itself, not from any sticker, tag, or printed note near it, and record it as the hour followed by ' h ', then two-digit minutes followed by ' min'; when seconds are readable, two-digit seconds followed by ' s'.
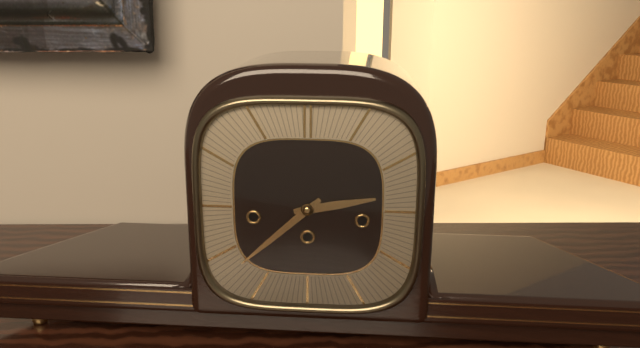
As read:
2 h 38 min
